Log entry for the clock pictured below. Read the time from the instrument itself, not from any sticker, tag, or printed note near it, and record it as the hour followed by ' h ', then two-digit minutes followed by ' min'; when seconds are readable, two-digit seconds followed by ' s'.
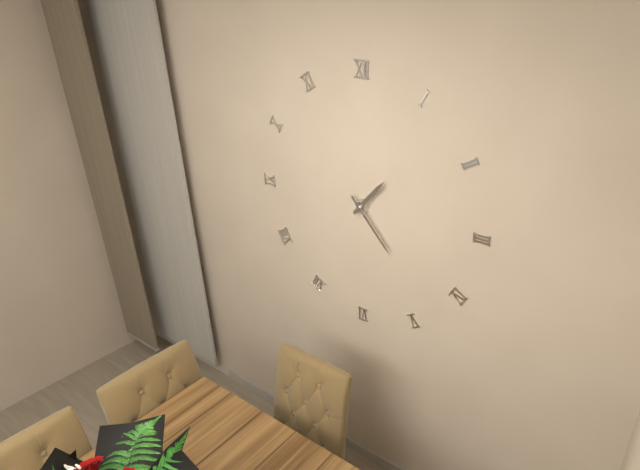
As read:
1 h 23 min
